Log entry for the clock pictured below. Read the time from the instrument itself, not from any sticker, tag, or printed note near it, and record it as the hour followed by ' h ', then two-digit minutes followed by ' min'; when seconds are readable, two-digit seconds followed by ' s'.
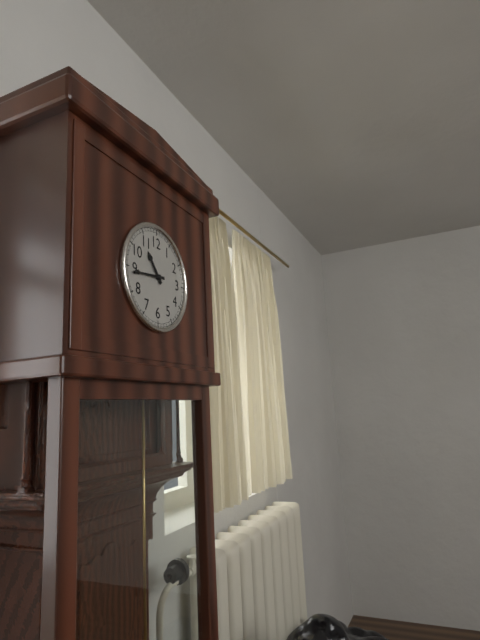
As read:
10 h 44 min
